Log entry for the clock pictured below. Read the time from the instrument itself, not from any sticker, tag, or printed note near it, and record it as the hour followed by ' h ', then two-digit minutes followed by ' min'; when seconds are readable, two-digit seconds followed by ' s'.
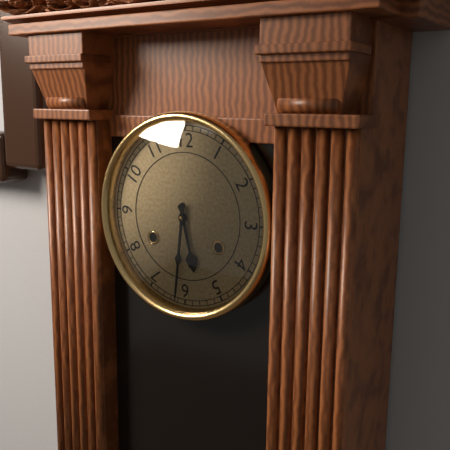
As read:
5 h 31 min
